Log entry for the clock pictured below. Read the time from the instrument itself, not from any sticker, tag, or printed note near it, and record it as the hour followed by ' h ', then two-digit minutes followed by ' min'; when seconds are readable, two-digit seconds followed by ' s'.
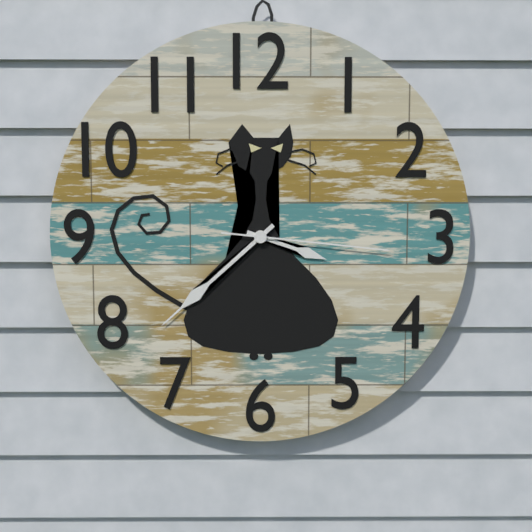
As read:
3 h 38 min 16 s
